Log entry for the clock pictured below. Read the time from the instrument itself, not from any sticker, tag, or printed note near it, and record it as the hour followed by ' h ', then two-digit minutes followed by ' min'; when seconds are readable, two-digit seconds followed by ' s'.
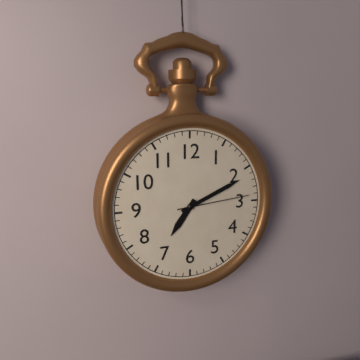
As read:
7 h 11 min 14 s
